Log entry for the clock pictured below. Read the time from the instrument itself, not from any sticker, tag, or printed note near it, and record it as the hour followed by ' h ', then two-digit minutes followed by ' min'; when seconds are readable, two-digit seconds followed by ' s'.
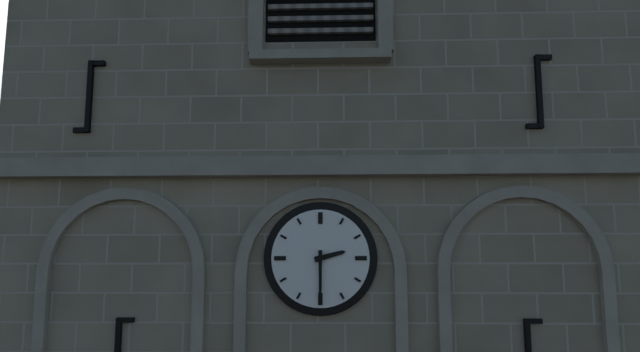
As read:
2 h 30 min
